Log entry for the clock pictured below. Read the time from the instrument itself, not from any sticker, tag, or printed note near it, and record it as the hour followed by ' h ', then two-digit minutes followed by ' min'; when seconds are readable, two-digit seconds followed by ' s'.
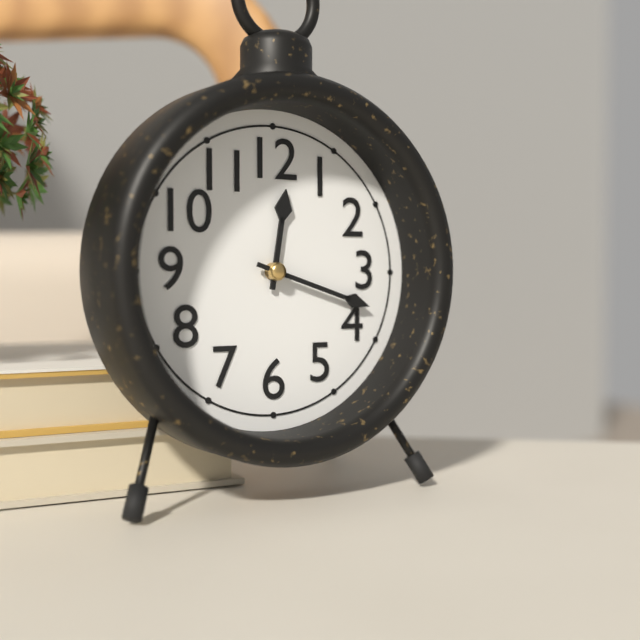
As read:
12 h 18 min
